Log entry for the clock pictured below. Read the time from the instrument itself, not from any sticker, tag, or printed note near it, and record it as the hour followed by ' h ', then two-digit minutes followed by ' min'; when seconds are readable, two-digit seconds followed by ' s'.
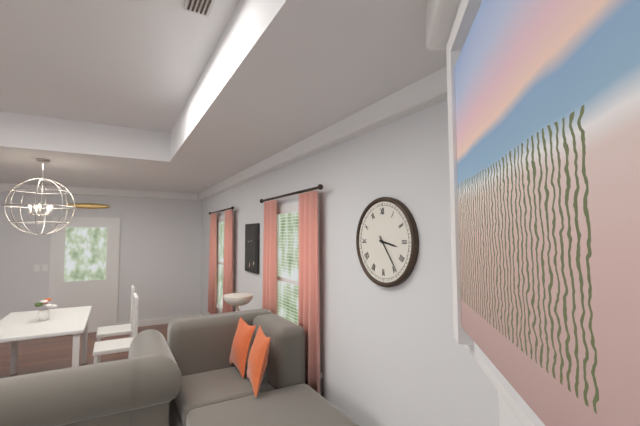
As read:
3 h 24 min
